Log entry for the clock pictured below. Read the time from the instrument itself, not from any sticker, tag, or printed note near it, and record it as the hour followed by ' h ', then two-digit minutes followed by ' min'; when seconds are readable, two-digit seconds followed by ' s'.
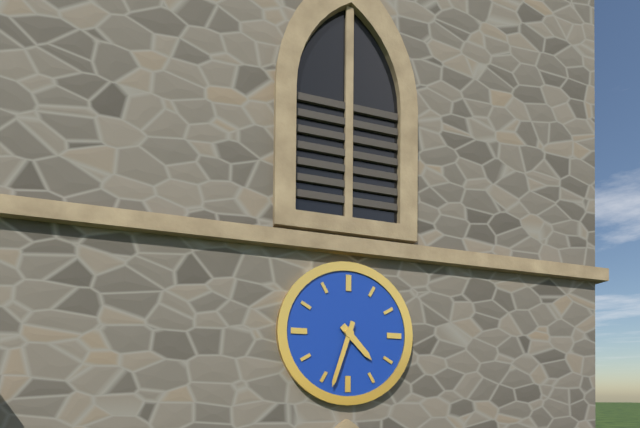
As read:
4 h 33 min
